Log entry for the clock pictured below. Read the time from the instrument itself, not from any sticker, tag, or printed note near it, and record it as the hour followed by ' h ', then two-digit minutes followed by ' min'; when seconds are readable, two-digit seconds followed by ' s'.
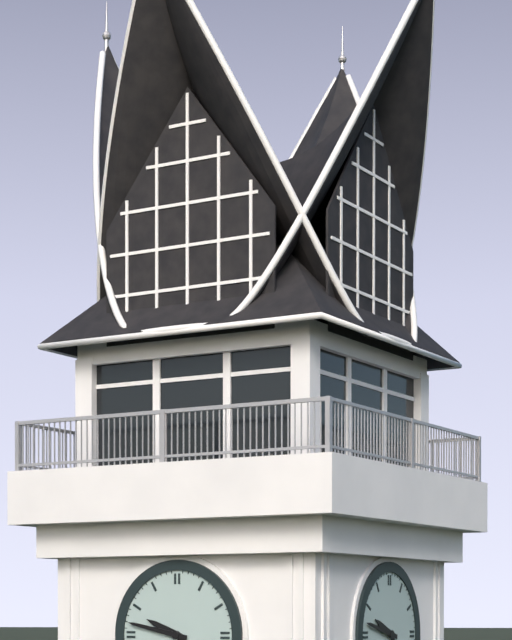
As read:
9 h 47 min
